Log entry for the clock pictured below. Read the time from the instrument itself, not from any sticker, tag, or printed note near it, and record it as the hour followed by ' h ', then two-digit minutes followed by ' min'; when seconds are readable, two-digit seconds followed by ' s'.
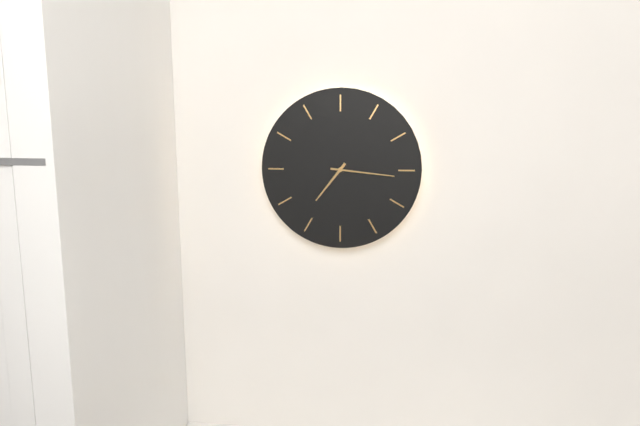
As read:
7 h 16 min
